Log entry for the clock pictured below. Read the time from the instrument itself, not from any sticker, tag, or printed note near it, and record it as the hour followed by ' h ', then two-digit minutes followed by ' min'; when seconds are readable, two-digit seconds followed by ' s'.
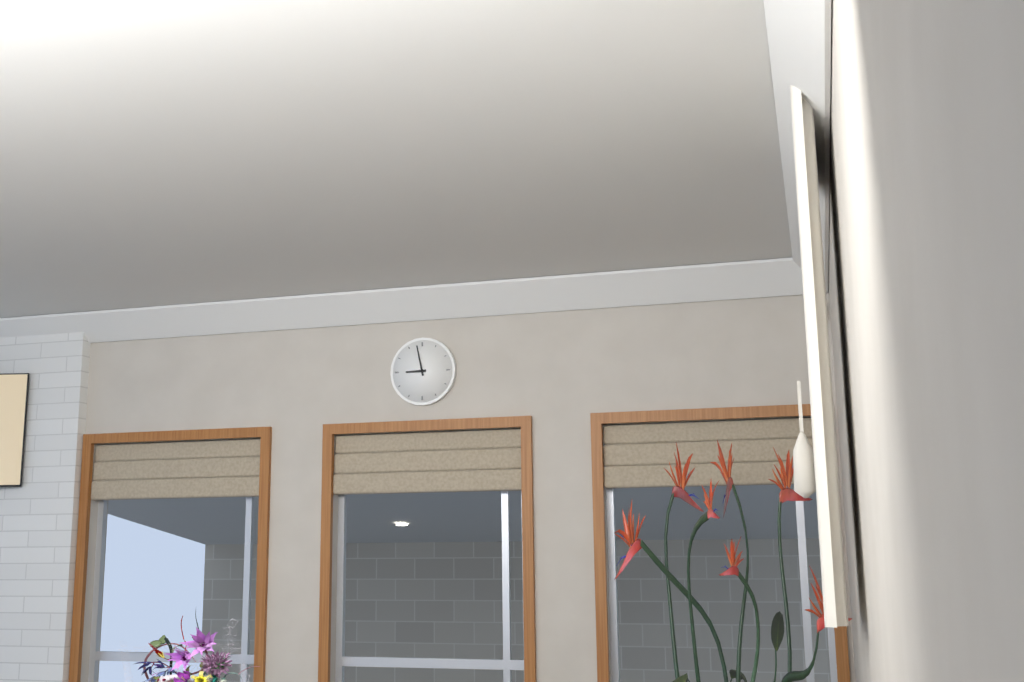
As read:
8 h 58 min
